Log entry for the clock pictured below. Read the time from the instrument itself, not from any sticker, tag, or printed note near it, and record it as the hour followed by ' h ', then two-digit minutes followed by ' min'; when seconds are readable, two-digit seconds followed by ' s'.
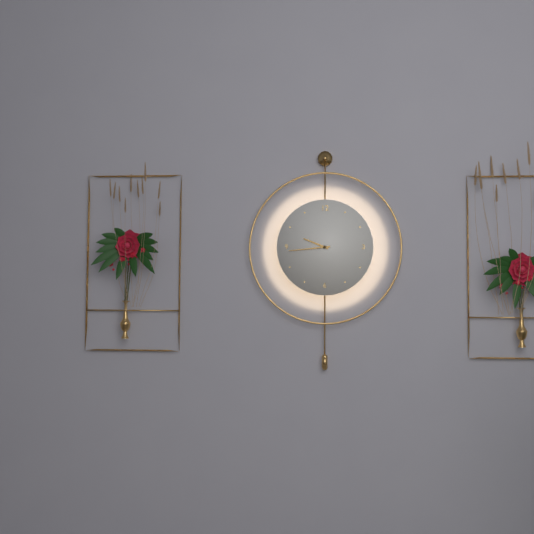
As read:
9 h 44 min
